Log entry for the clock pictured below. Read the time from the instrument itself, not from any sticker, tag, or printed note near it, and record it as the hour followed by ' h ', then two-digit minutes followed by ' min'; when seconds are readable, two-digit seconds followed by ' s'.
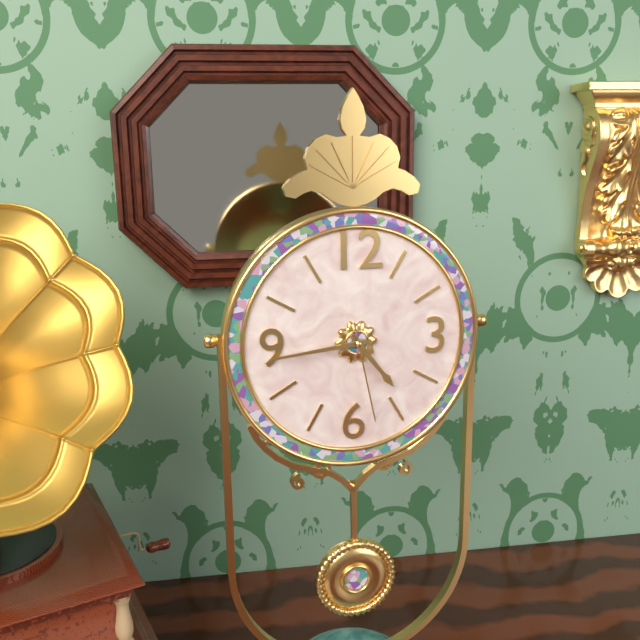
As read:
4 h 44 min 28 s
